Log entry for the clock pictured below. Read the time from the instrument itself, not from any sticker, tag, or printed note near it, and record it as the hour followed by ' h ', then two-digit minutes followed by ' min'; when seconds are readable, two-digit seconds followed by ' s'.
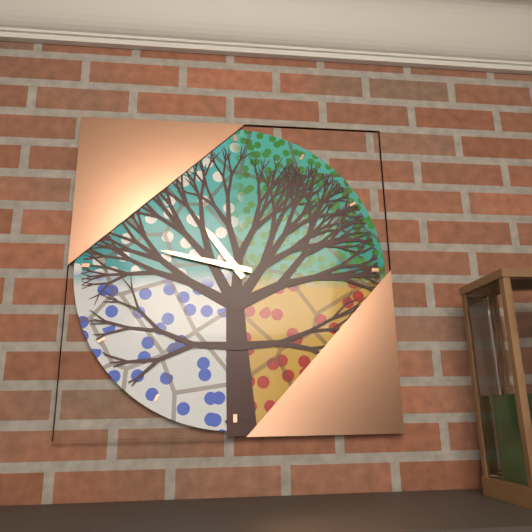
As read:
10 h 47 min
